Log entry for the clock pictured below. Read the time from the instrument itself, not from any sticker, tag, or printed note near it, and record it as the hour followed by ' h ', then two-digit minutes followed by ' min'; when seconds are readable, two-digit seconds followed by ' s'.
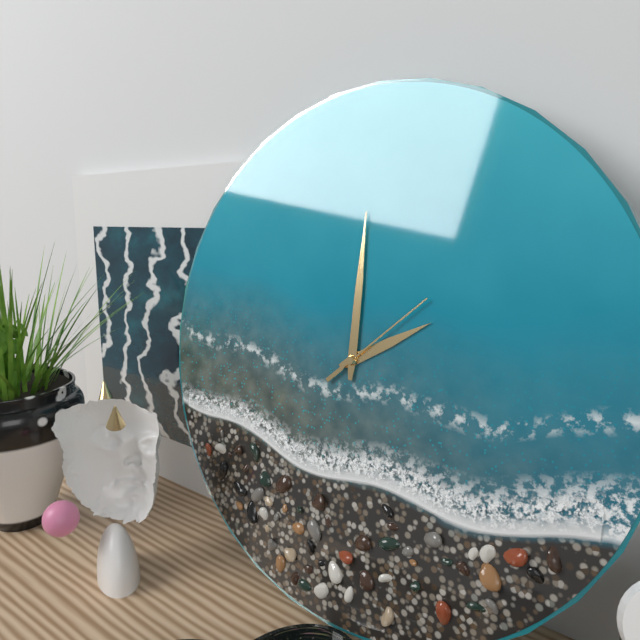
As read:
2 h 00 min 08 s
